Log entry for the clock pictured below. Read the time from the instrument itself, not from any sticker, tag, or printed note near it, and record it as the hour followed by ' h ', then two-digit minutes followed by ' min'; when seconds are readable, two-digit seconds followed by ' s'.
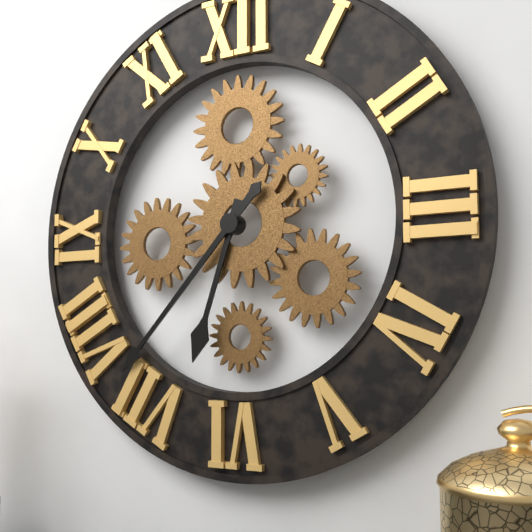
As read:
6 h 37 min
